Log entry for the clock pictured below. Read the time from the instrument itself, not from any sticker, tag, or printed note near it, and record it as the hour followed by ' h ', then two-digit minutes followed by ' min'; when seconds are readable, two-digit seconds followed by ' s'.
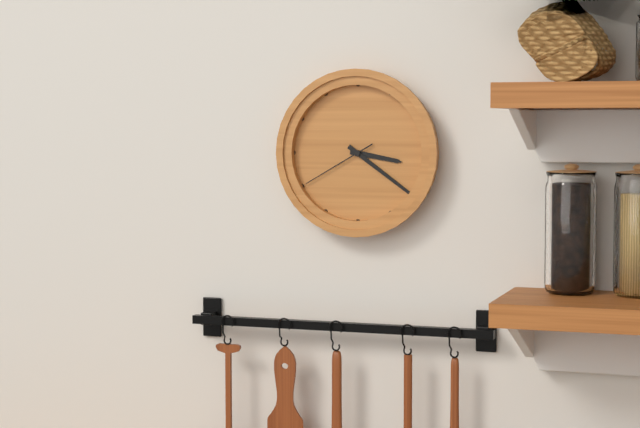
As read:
3 h 21 min 40 s
